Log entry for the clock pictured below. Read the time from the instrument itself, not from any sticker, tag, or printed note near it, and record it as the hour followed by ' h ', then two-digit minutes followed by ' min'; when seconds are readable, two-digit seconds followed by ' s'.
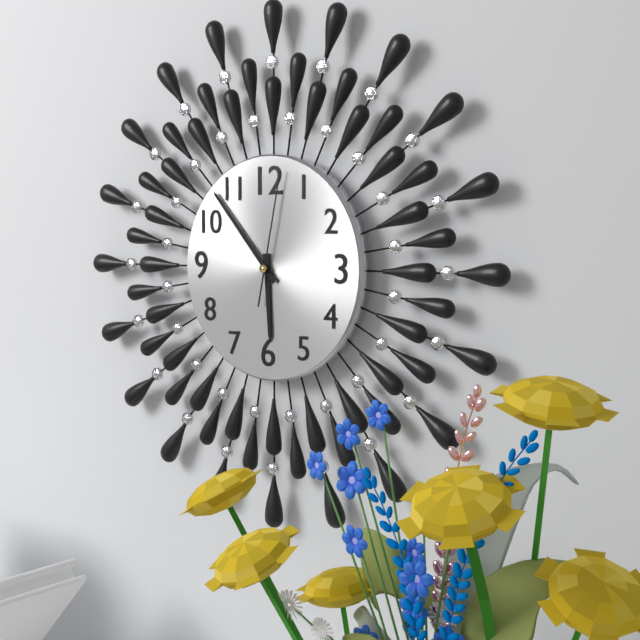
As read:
5 h 53 min 02 s
